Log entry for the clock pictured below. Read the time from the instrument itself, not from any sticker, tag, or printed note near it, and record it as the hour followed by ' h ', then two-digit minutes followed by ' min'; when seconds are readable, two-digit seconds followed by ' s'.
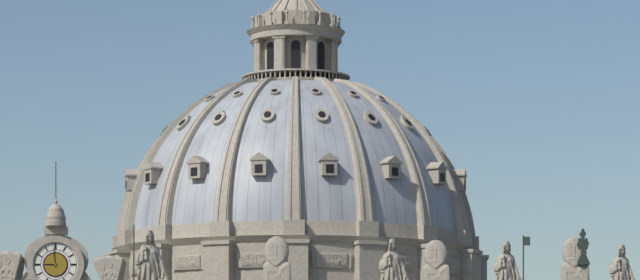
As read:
8 h 59 min
